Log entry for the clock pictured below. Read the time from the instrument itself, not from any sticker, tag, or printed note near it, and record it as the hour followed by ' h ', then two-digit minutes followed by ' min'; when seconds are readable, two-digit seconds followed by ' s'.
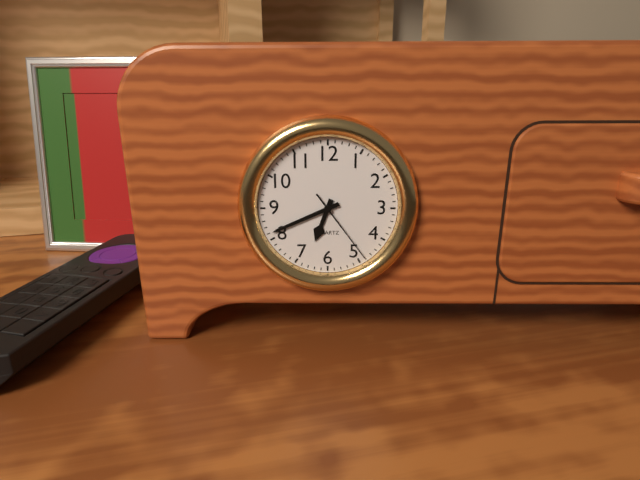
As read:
6 h 41 min 24 s
